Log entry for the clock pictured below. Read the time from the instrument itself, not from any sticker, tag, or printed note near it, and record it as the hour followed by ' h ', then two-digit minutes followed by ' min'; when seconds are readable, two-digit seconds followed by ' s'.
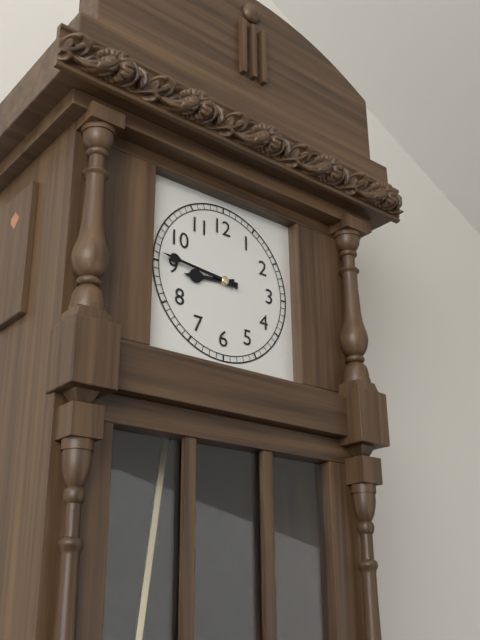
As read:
8 h 46 min
